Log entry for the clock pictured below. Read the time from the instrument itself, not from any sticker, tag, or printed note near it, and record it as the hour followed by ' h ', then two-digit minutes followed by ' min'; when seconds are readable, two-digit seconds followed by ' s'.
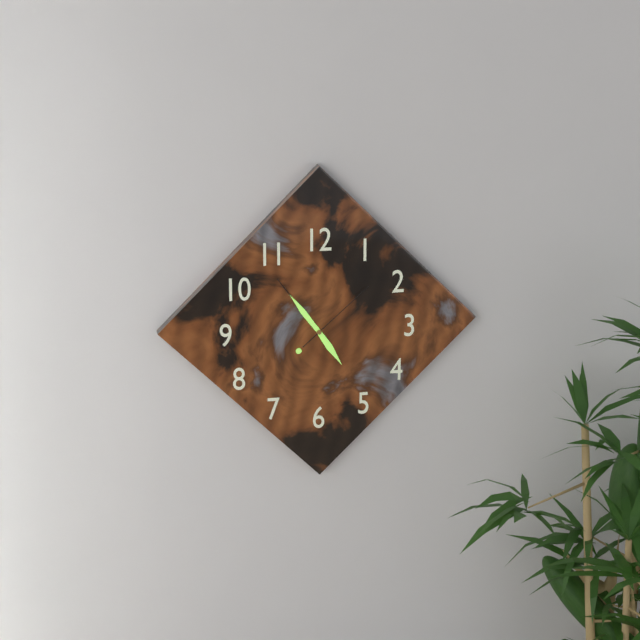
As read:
4 h 54 min 08 s
